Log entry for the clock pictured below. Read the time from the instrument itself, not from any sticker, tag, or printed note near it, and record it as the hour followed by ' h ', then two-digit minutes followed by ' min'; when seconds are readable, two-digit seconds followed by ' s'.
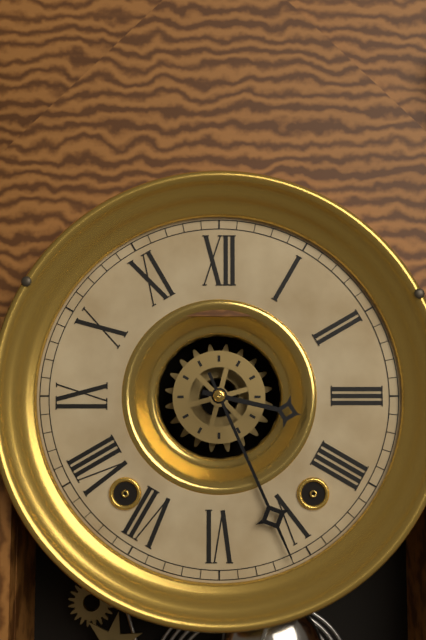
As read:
3 h 26 min
